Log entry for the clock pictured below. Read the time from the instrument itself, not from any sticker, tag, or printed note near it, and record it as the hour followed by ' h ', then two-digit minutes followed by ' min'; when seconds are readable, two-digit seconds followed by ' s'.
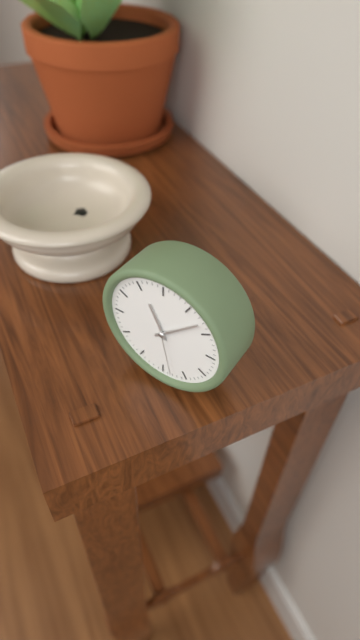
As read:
11 h 08 min 28 s
